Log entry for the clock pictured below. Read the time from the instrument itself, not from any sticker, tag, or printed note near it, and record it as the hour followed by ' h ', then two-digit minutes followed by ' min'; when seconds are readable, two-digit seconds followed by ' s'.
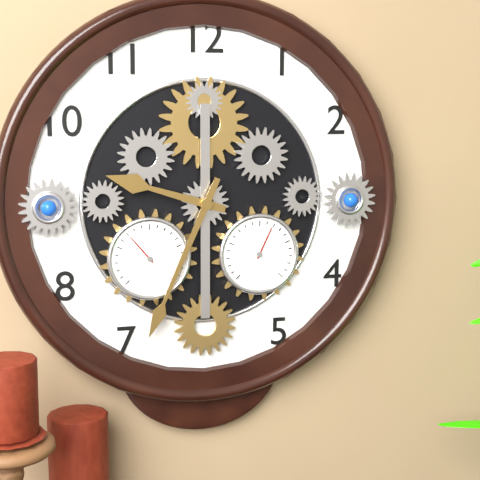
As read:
9 h 34 min
